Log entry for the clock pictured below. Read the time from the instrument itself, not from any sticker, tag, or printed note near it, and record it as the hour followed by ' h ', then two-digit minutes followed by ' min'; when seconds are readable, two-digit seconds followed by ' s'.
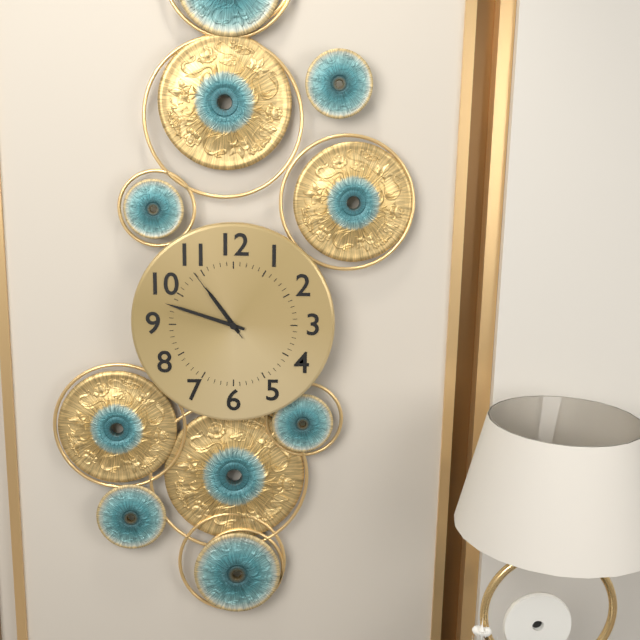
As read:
10 h 48 min 54 s
